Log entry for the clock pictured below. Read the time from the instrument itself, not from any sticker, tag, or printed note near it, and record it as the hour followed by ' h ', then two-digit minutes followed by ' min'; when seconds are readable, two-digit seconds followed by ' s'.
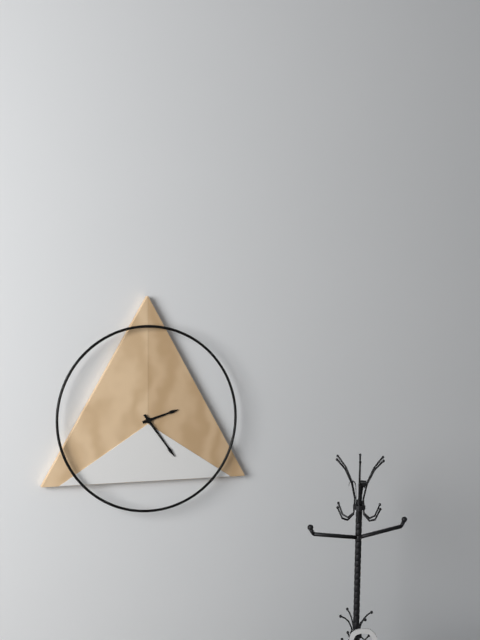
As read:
2 h 24 min
